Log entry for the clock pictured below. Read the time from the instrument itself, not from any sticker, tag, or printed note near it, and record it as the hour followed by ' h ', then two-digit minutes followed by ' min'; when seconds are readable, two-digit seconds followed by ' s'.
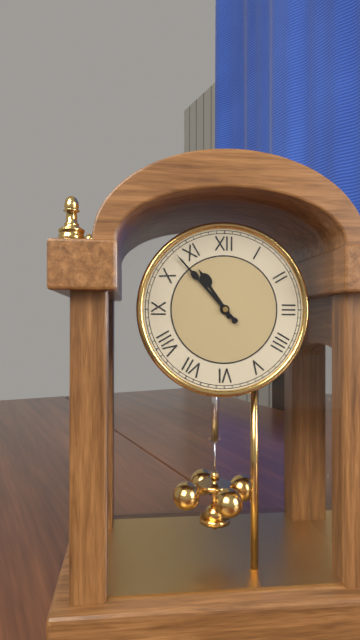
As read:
10 h 53 min
